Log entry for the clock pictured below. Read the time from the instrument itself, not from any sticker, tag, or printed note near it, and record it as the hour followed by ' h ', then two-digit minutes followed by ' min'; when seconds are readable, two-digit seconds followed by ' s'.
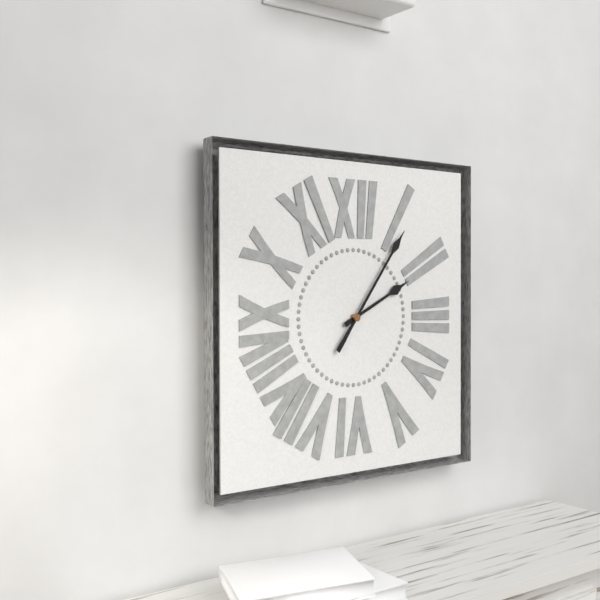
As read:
2 h 06 min
